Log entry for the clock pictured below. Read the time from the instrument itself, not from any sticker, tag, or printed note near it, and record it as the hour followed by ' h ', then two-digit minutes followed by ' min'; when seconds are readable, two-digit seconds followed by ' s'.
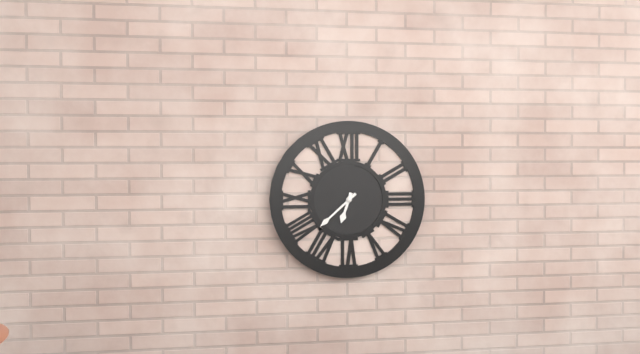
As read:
6 h 38 min
